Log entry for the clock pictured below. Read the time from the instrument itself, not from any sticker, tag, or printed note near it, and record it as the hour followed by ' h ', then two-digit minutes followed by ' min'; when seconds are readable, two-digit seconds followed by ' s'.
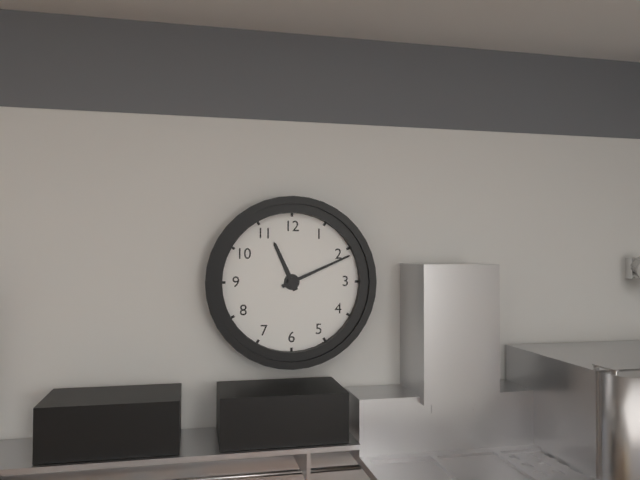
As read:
11 h 11 min
